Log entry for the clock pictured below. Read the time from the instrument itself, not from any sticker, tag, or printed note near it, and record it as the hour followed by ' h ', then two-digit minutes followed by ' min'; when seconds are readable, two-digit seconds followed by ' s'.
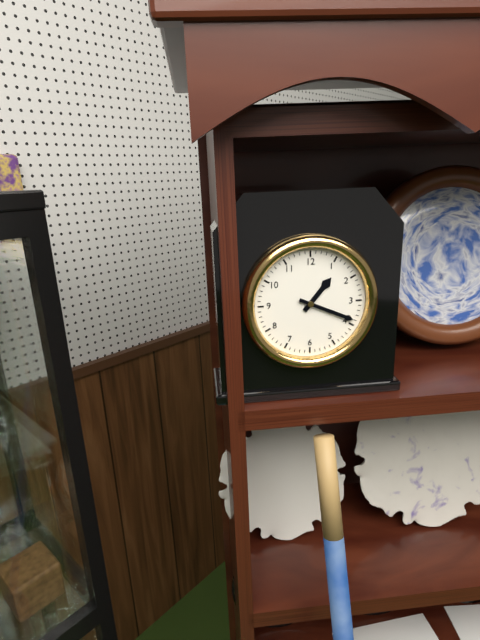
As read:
1 h 19 min
